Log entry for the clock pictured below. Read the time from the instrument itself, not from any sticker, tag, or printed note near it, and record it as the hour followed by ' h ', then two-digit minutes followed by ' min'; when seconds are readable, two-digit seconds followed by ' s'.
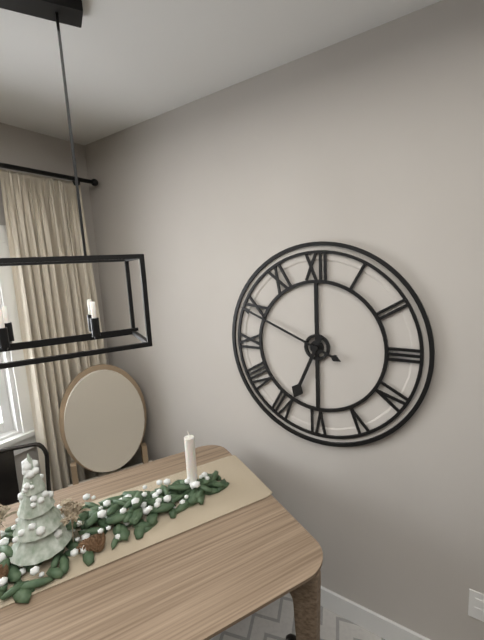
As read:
6 h 49 min
